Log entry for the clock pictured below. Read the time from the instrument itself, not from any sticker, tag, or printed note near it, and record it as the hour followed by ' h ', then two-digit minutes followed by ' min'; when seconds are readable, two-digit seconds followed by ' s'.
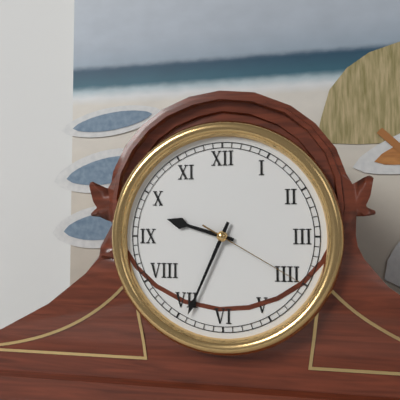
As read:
9 h 34 min 20 s
